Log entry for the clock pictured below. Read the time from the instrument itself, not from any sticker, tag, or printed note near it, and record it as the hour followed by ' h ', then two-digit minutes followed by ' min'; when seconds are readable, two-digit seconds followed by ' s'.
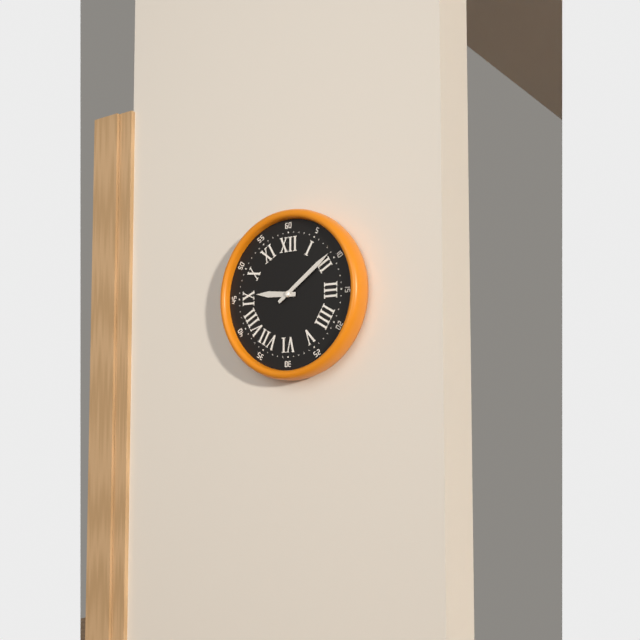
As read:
9 h 09 min
